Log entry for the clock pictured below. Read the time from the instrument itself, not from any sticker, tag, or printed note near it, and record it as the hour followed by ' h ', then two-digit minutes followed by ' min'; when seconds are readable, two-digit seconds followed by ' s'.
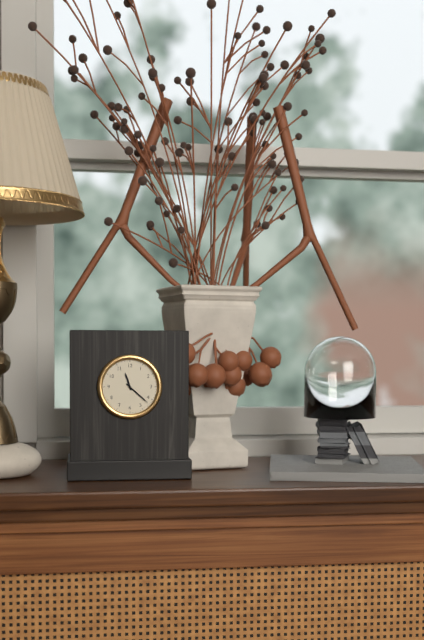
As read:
11 h 22 min
